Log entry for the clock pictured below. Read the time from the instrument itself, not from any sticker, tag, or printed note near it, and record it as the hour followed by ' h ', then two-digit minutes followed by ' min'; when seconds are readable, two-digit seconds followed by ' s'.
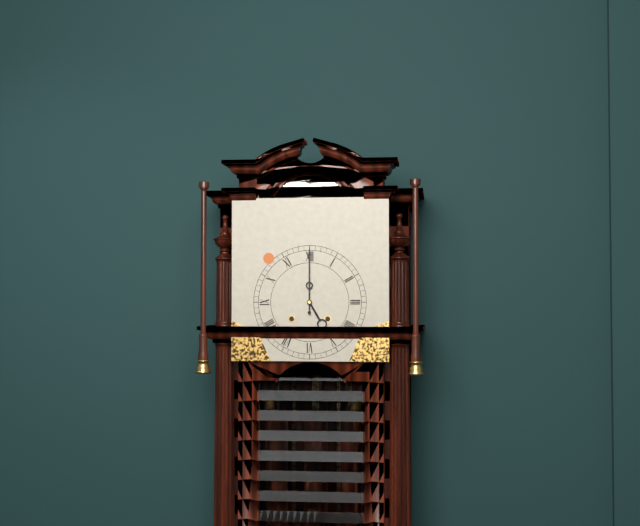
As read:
5 h 00 min
